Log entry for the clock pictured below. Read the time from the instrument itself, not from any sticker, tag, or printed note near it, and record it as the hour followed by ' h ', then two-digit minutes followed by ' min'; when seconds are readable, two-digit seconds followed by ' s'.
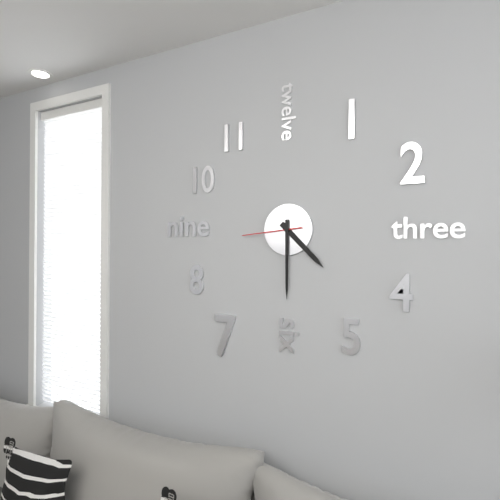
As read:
4 h 30 min 44 s
